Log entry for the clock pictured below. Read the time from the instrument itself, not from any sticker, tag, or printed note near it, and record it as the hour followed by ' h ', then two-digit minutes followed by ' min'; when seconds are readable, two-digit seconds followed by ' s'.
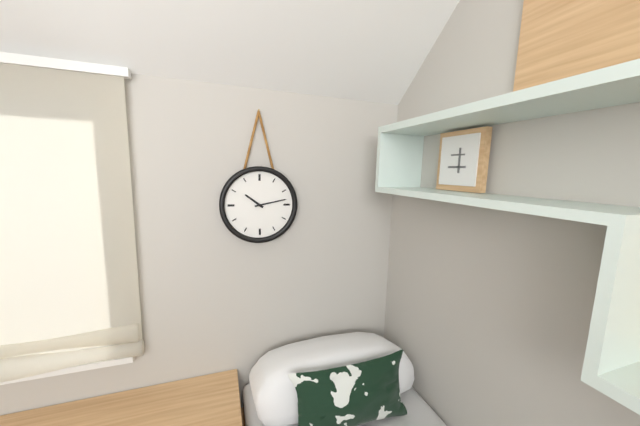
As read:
10 h 13 min
